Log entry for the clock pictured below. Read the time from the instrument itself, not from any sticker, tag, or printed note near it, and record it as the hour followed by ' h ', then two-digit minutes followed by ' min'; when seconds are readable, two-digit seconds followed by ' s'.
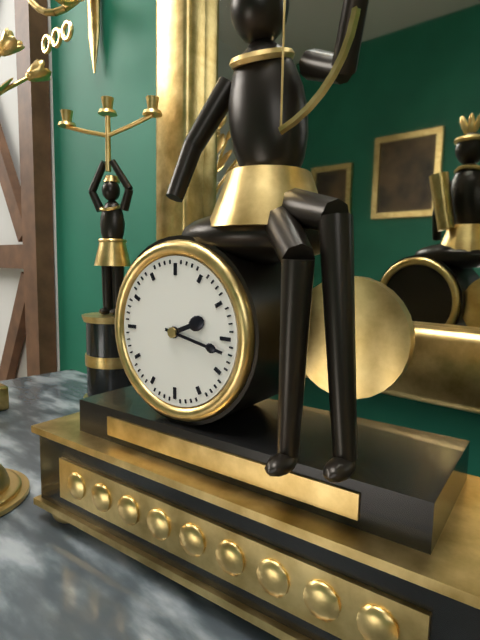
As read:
2 h 17 min
